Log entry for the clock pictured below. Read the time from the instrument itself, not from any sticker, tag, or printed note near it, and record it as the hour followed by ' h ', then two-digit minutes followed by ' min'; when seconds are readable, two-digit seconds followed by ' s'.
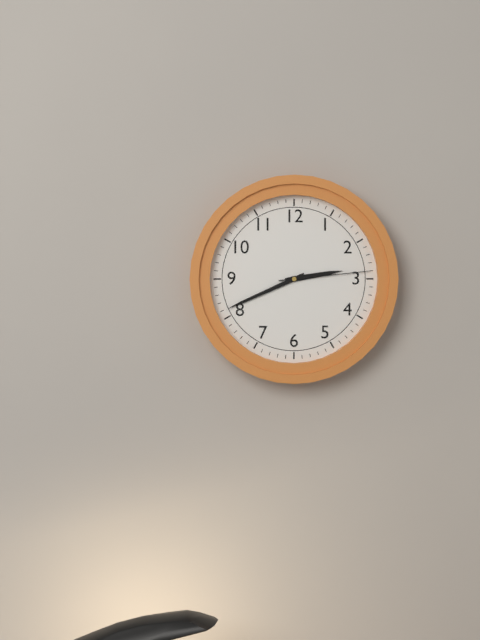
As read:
2 h 41 min 14 s
